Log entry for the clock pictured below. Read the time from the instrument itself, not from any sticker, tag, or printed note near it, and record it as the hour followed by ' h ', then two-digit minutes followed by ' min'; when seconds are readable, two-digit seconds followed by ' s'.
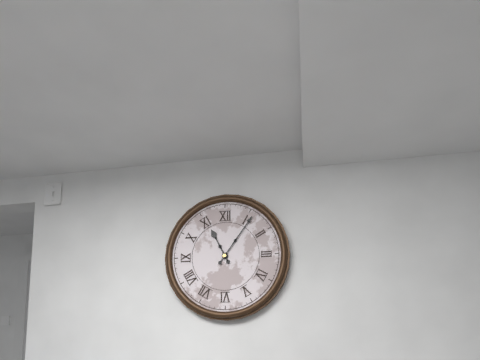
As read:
11 h 06 min
